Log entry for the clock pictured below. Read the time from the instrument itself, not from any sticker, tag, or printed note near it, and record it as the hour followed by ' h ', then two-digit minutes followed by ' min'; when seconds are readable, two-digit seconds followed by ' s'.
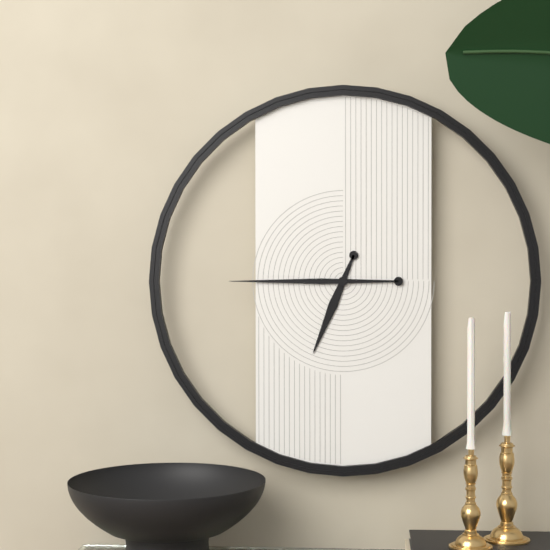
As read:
6 h 45 min
